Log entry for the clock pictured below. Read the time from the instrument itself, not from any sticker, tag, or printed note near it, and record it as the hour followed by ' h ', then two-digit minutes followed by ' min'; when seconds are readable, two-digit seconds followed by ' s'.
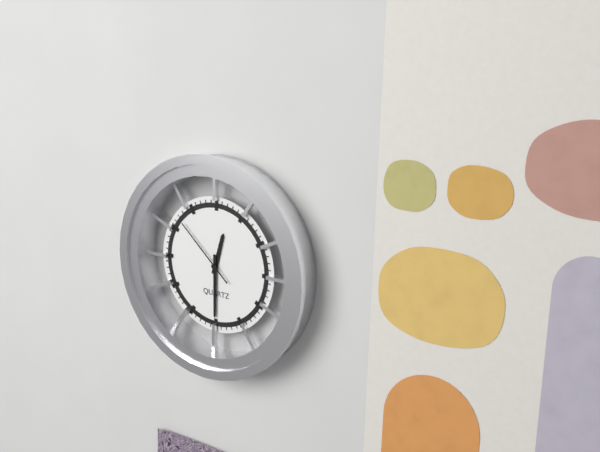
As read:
12 h 30 min 52 s
